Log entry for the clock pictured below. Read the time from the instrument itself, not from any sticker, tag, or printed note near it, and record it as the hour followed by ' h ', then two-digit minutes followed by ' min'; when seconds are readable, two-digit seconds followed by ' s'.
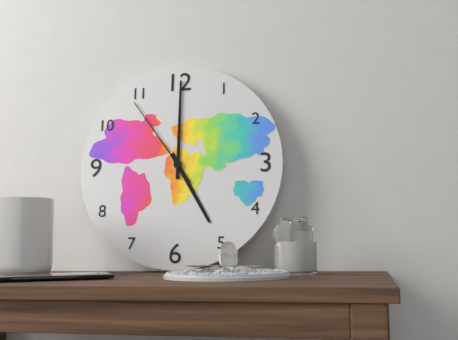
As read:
5 h 00 min 54 s
